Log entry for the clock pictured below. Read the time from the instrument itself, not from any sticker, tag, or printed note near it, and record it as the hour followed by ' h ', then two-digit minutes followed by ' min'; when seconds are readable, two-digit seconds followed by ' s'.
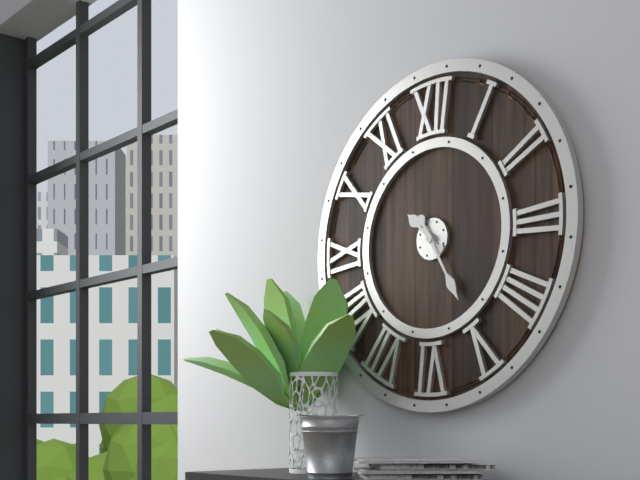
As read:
10 h 25 min
